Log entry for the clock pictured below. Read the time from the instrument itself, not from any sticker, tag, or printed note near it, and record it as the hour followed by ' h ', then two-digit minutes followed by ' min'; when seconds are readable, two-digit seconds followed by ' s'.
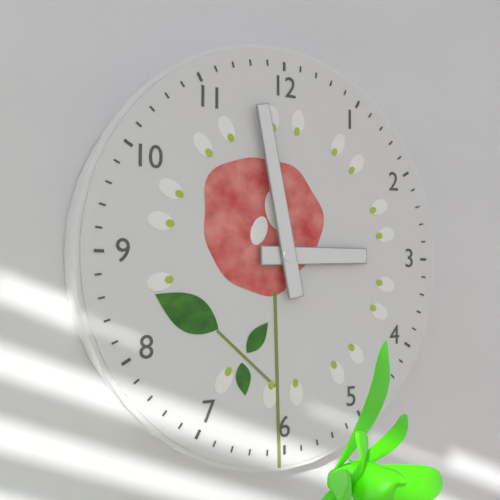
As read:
2 h 58 min
